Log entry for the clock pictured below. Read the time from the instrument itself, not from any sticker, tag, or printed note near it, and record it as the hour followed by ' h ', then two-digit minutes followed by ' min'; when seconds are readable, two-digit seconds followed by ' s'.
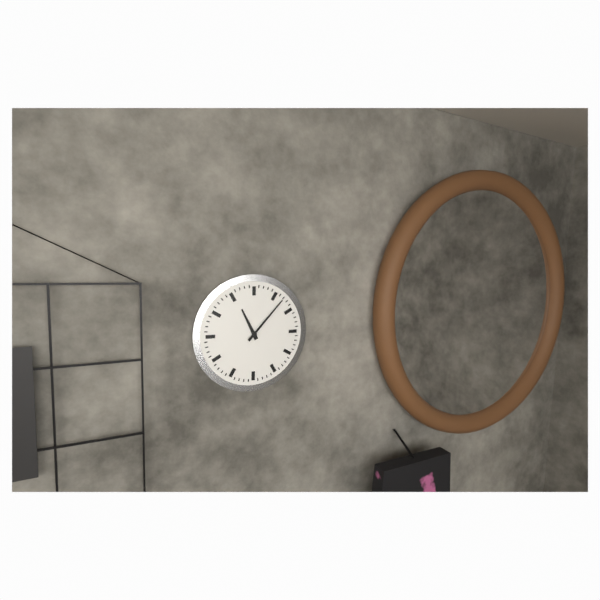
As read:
11 h 07 min
